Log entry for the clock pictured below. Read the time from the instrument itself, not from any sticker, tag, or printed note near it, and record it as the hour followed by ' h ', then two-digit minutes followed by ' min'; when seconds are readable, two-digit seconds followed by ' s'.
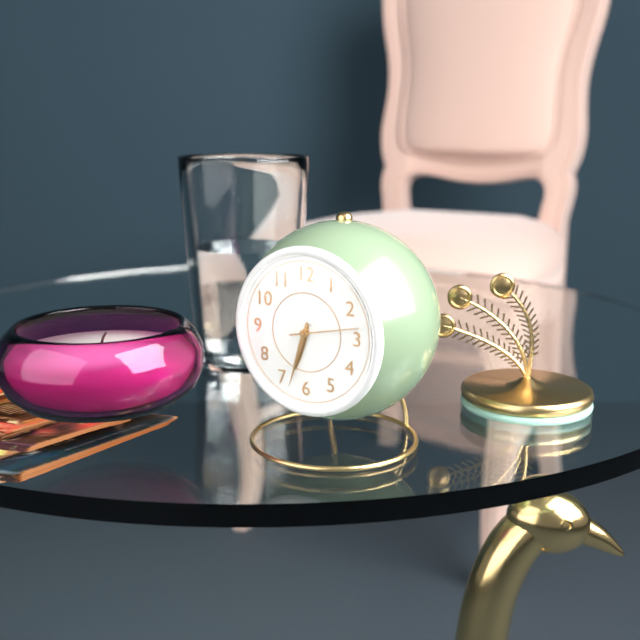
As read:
6 h 33 min 13 s
